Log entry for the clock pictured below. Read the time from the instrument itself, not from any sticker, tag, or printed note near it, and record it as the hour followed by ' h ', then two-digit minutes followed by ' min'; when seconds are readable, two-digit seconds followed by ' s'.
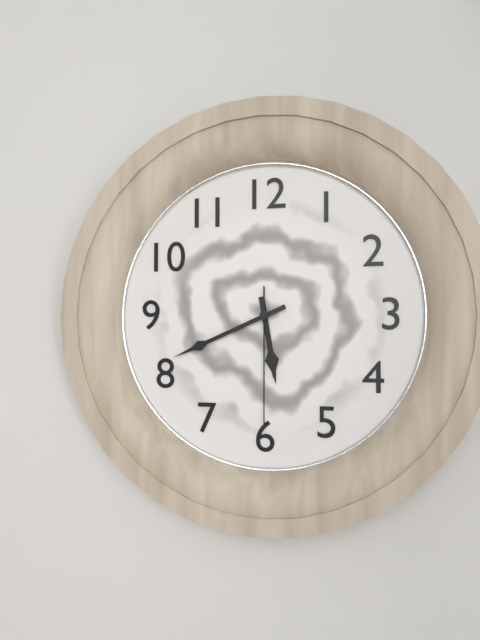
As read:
5 h 41 min 30 s
